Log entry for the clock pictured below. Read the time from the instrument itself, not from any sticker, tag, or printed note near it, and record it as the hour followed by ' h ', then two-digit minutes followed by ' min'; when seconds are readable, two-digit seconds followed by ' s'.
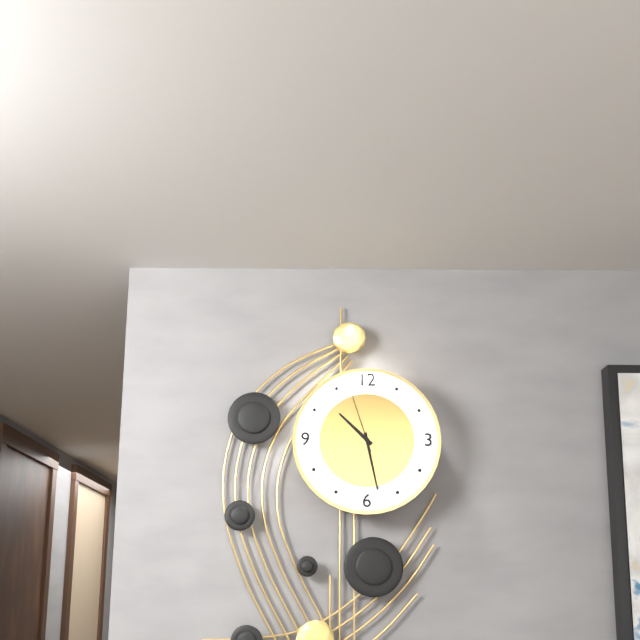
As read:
10 h 28 min 57 s
